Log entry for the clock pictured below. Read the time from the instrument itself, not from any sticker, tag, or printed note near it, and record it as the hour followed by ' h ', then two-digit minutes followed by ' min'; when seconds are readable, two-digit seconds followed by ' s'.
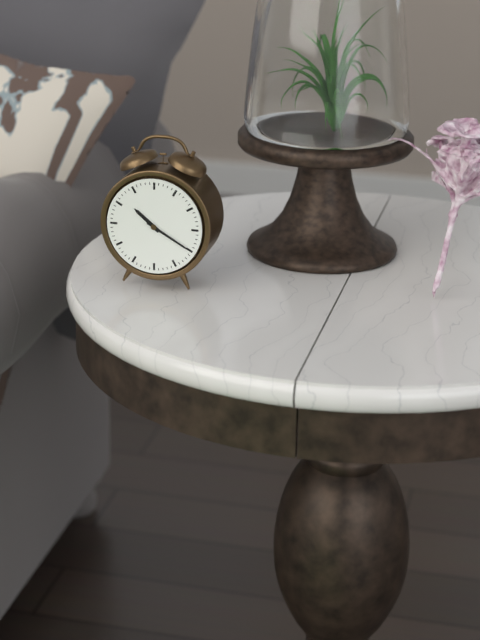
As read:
10 h 20 min
